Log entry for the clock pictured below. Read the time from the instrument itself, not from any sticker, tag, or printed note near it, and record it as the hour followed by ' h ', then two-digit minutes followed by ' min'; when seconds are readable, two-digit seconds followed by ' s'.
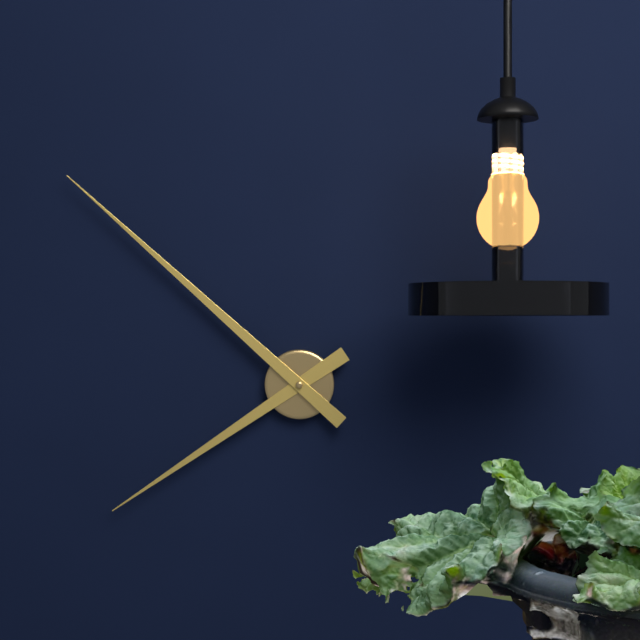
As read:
7 h 52 min
